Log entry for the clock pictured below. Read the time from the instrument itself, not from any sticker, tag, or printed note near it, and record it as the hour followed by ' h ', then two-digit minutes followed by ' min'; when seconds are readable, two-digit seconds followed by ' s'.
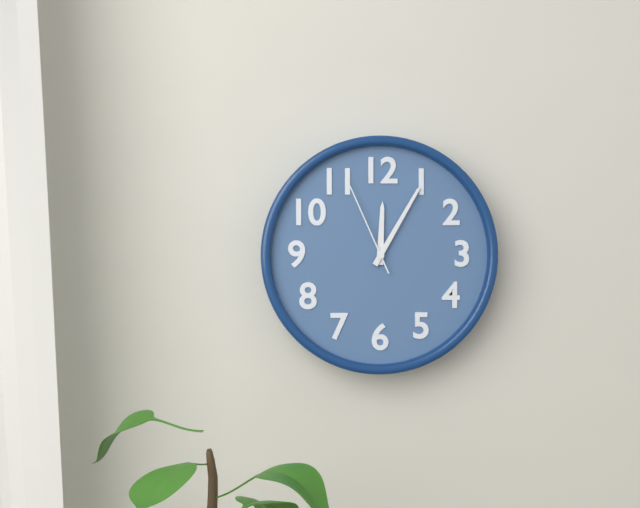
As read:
12 h 05 min 56 s
